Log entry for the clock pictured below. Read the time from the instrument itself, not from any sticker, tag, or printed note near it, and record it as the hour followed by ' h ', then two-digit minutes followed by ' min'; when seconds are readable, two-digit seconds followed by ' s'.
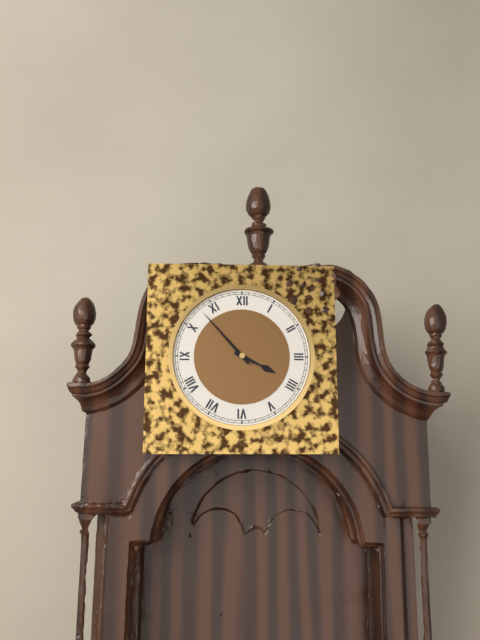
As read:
3 h 53 min
